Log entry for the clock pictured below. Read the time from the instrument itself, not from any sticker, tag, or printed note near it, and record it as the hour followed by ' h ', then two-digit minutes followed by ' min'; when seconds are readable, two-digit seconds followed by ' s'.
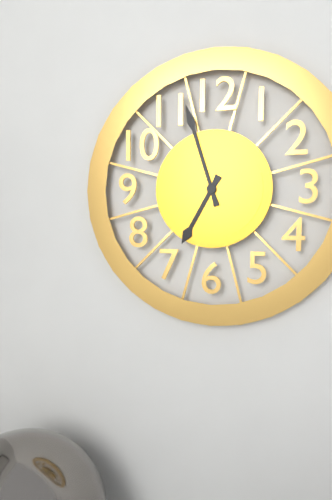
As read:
6 h 57 min
